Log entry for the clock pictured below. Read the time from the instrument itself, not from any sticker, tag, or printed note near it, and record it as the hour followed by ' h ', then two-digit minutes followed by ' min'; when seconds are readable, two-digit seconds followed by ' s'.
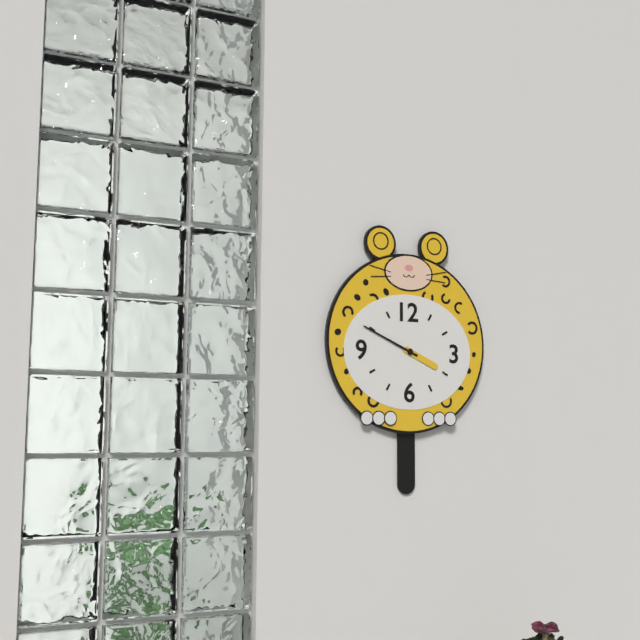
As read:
3 h 49 min
